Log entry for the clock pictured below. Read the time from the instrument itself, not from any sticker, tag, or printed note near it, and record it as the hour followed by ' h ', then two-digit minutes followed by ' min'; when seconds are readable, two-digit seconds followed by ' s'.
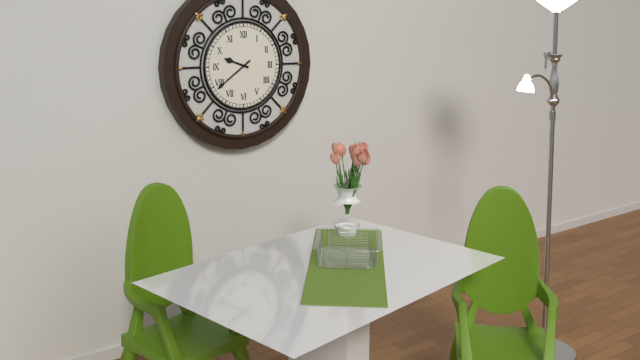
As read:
9 h 39 min
